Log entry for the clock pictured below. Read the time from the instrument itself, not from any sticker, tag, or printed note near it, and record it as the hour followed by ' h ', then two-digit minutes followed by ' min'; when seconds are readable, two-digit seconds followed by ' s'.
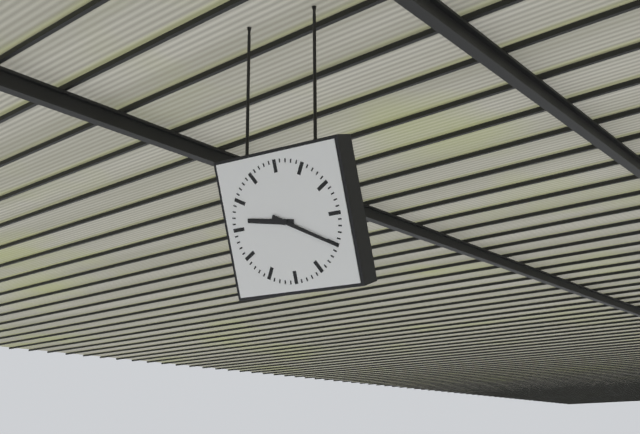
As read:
9 h 20 min
